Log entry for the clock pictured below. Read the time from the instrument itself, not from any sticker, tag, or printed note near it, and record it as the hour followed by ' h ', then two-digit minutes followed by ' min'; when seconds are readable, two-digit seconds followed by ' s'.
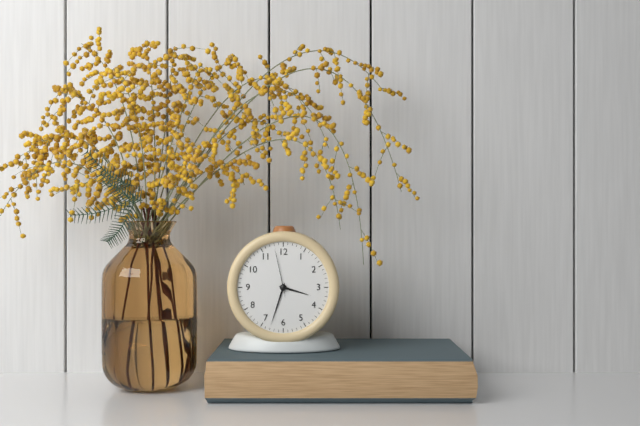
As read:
3 h 33 min 58 s
